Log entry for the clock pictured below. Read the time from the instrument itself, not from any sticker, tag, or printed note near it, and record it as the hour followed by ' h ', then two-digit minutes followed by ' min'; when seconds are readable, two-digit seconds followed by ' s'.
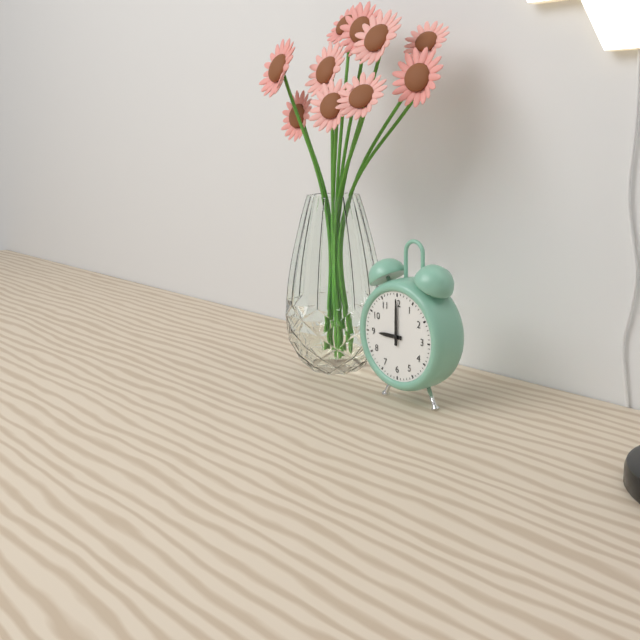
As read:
9 h 00 min
